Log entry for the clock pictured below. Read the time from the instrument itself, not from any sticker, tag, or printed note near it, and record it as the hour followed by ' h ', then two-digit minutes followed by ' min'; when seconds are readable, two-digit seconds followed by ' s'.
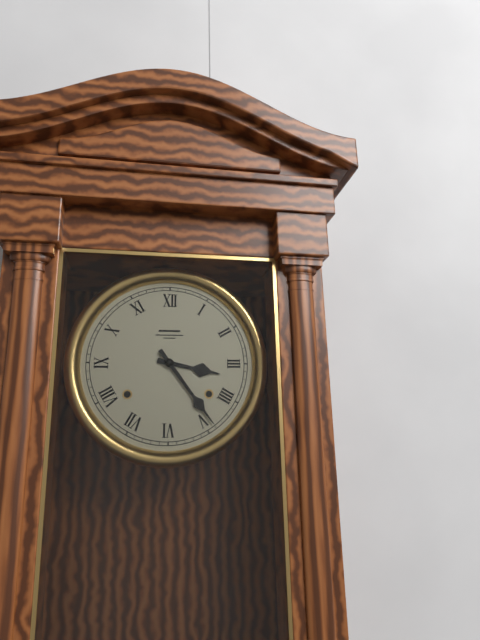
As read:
3 h 24 min
